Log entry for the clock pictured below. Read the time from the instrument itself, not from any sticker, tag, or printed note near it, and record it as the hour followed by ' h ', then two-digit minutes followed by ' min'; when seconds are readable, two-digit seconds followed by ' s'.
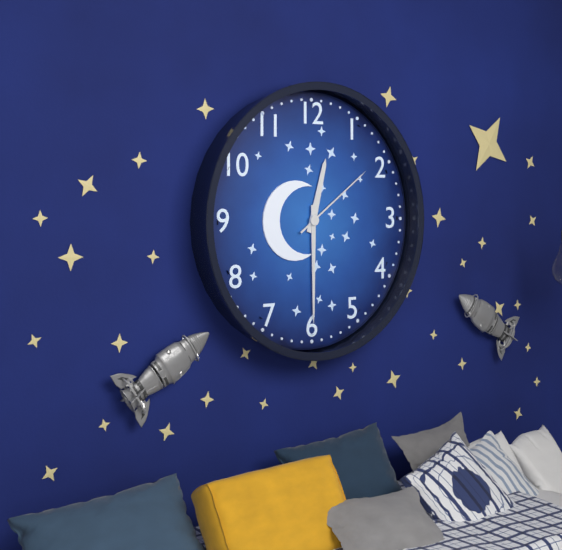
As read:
12 h 30 min 09 s
